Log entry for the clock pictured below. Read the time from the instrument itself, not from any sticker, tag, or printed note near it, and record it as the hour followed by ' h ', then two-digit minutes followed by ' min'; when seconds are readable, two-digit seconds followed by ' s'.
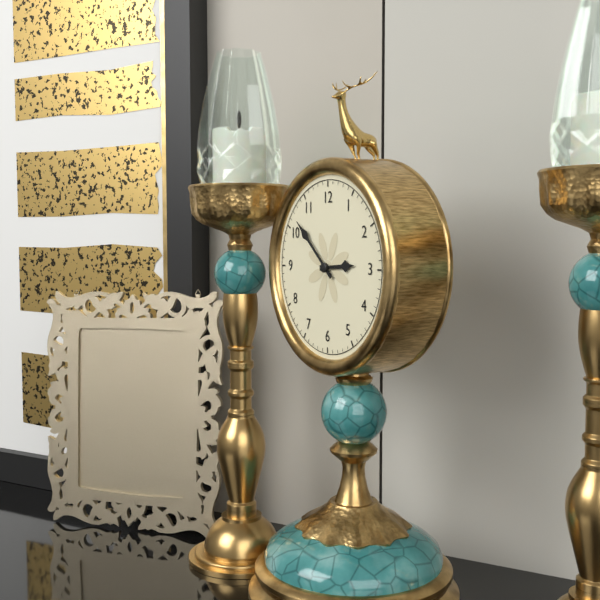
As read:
2 h 52 min
